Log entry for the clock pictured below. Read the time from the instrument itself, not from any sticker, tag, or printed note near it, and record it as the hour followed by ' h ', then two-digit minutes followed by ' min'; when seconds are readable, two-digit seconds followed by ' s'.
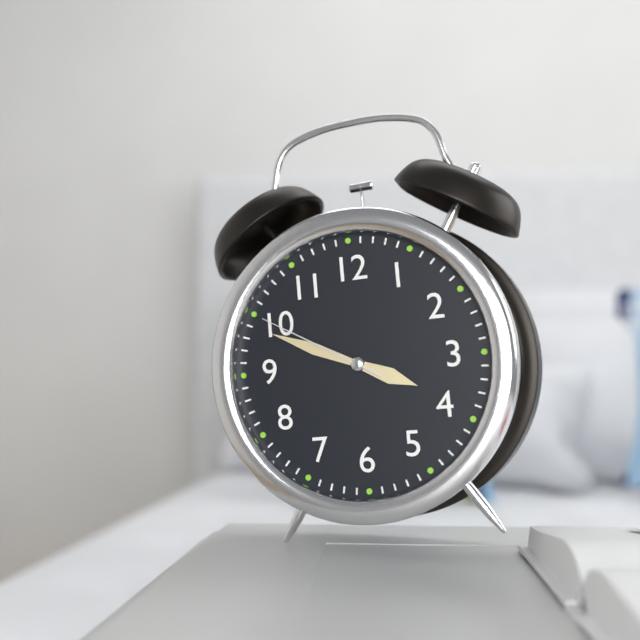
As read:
3 h 49 min 50 s
